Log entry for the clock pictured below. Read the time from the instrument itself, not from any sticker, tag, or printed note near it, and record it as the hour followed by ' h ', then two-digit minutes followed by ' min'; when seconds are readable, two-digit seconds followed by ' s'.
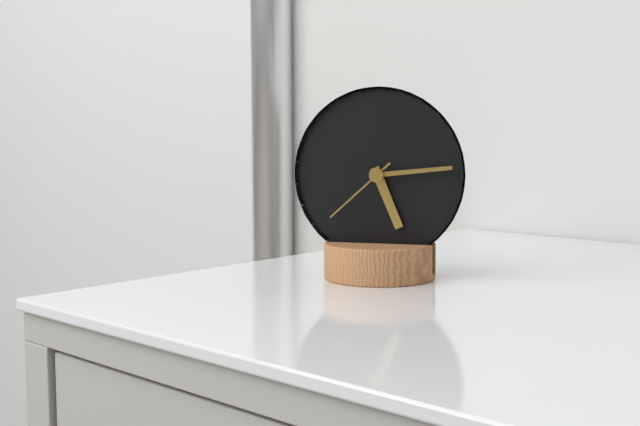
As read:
5 h 14 min 38 s
